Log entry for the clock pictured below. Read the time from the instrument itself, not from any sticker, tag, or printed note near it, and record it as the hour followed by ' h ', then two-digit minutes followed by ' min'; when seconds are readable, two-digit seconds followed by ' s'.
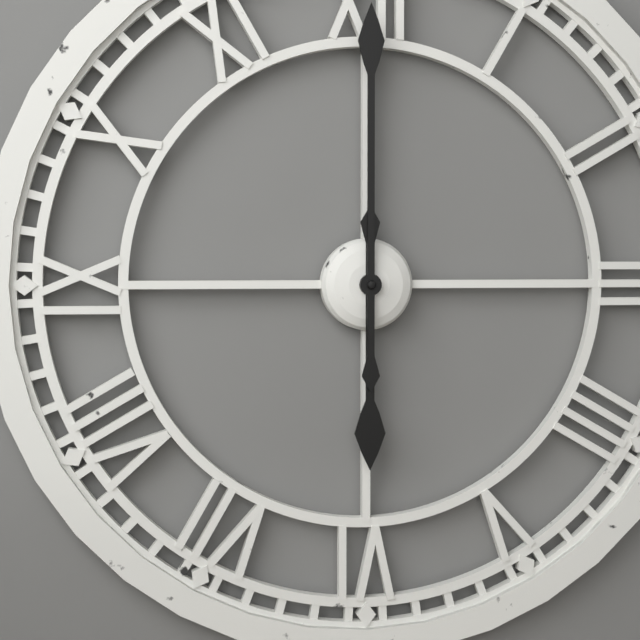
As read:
6 h 00 min
